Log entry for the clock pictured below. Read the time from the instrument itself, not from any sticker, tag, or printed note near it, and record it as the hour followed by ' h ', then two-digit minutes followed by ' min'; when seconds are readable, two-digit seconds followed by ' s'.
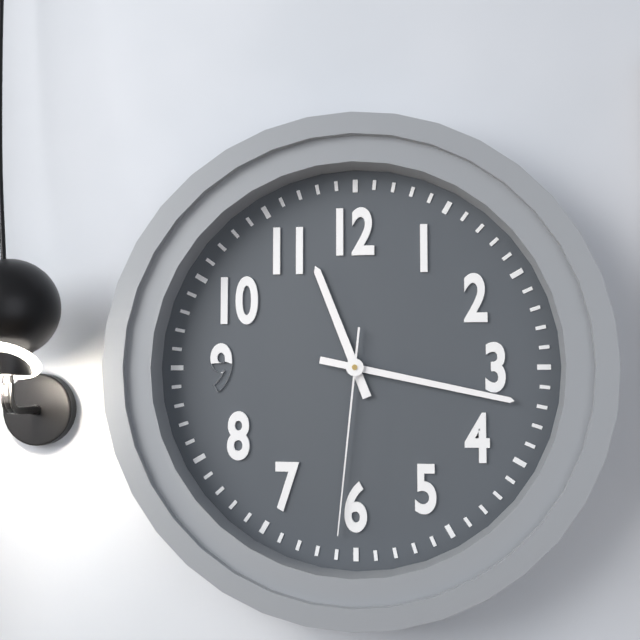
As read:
11 h 17 min 31 s
